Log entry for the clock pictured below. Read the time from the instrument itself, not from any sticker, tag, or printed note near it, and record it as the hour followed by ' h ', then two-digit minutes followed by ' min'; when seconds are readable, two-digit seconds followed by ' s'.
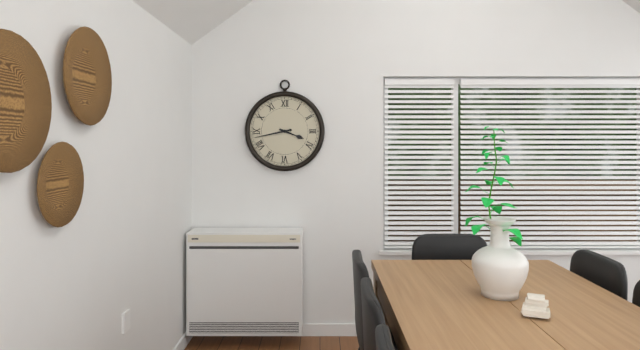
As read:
3 h 43 min
